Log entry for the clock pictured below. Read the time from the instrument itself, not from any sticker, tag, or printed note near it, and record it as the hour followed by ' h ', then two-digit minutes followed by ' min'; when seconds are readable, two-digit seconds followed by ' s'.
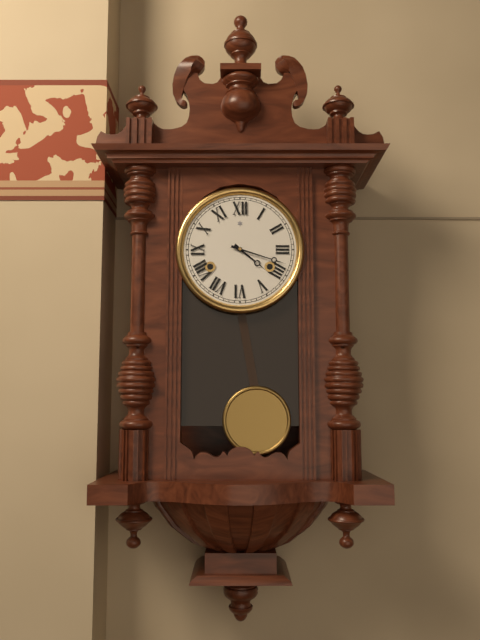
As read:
4 h 18 min
